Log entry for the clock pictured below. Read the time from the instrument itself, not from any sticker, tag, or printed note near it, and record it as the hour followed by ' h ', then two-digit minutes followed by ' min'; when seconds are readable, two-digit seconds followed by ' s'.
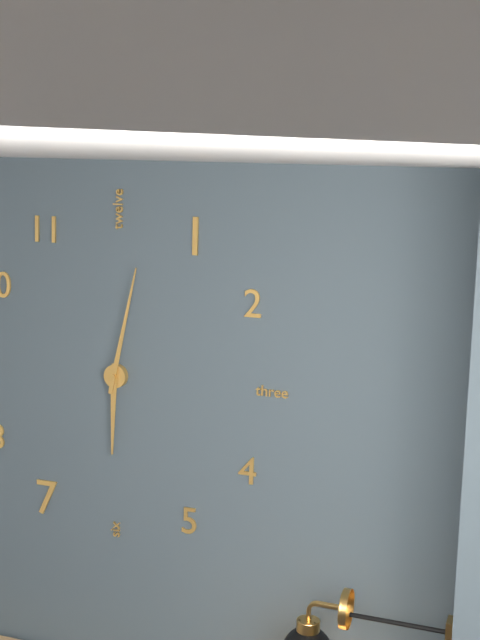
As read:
6 h 02 min
